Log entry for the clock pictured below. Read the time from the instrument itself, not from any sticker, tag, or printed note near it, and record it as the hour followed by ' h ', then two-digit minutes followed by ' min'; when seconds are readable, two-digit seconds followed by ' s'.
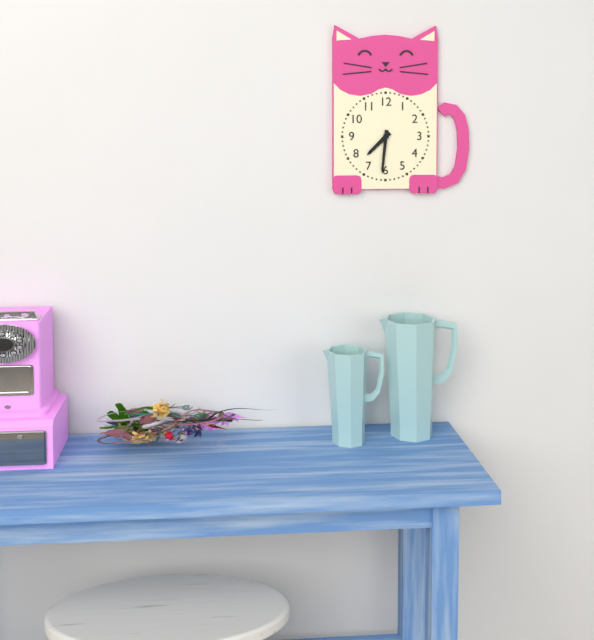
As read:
7 h 31 min
